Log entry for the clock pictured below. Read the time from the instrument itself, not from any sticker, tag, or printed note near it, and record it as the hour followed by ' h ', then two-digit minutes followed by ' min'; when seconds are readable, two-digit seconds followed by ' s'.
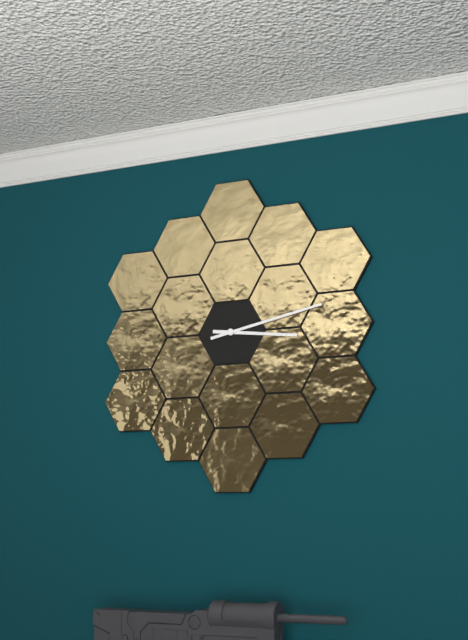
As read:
3 h 13 min
